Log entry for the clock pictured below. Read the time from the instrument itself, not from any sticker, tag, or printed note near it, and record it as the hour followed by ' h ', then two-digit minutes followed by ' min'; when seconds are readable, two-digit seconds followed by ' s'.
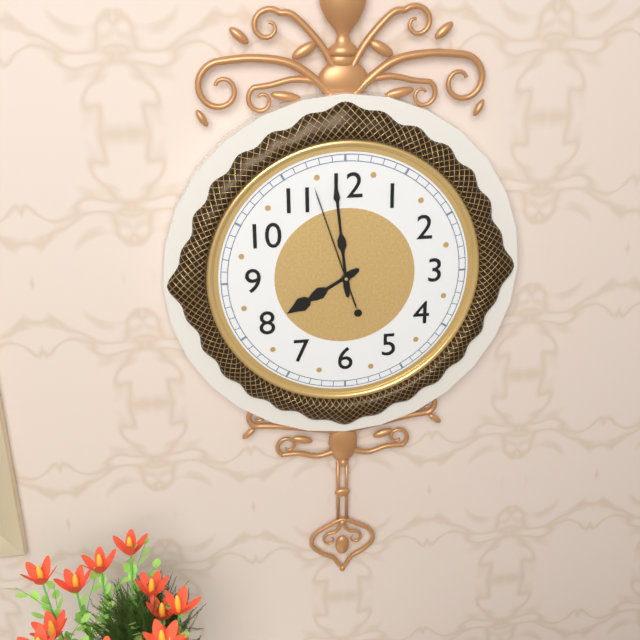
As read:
7 h 59 min 57 s
